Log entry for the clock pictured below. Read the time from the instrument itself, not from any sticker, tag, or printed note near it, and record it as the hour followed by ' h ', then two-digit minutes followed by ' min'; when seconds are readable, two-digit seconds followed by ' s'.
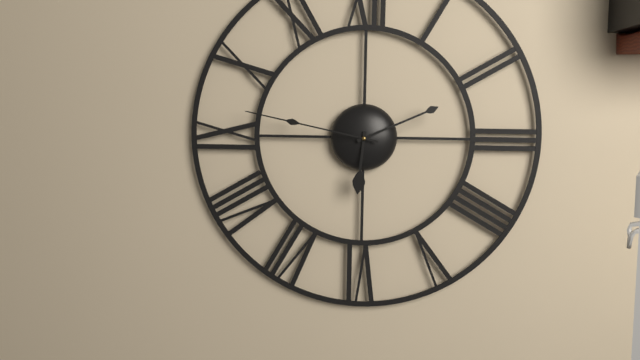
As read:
6 h 11 min 47 s
